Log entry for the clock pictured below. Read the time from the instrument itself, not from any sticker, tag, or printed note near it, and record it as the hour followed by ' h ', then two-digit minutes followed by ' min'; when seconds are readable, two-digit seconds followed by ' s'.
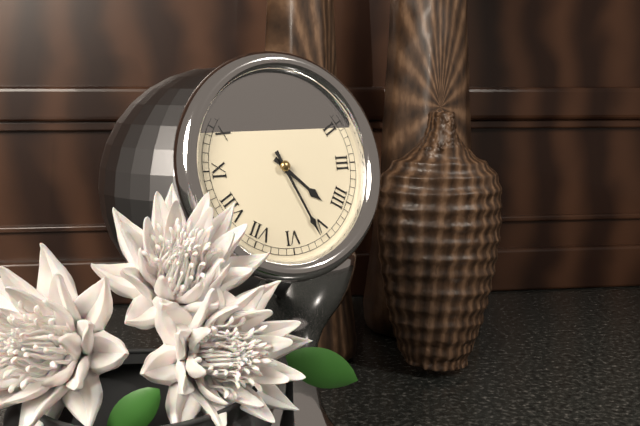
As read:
4 h 26 min
